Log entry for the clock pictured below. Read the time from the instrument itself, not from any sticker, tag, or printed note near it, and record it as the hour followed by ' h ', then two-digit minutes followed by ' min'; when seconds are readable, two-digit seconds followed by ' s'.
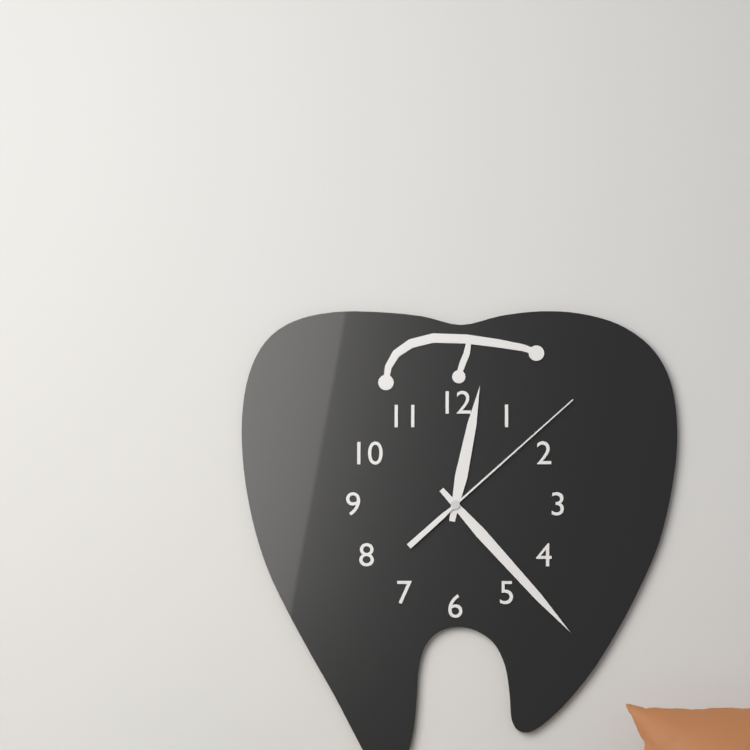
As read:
12 h 23 min 08 s
